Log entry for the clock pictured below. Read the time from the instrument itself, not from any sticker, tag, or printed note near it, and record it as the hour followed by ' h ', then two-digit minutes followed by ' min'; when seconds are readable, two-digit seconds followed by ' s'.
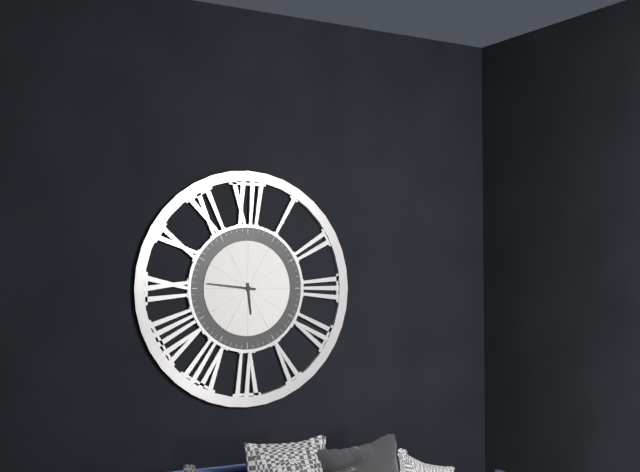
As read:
5 h 46 min
